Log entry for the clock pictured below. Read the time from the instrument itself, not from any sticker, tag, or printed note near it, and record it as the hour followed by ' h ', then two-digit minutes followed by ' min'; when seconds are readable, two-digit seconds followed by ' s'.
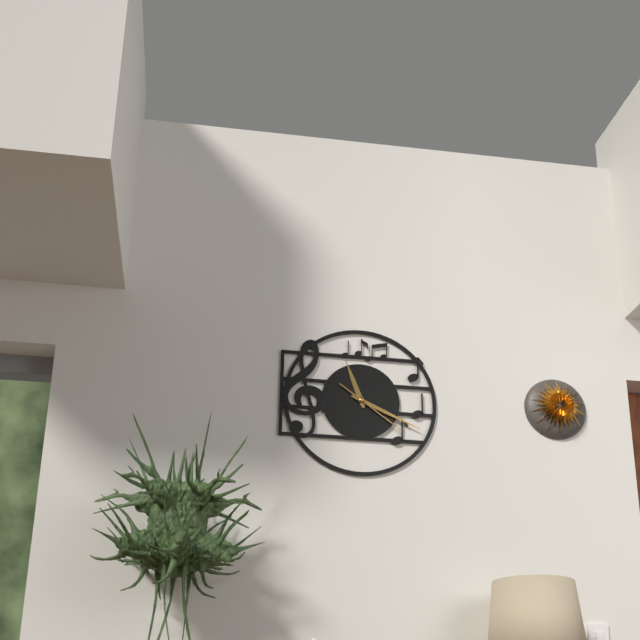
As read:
11 h 19 min 21 s
